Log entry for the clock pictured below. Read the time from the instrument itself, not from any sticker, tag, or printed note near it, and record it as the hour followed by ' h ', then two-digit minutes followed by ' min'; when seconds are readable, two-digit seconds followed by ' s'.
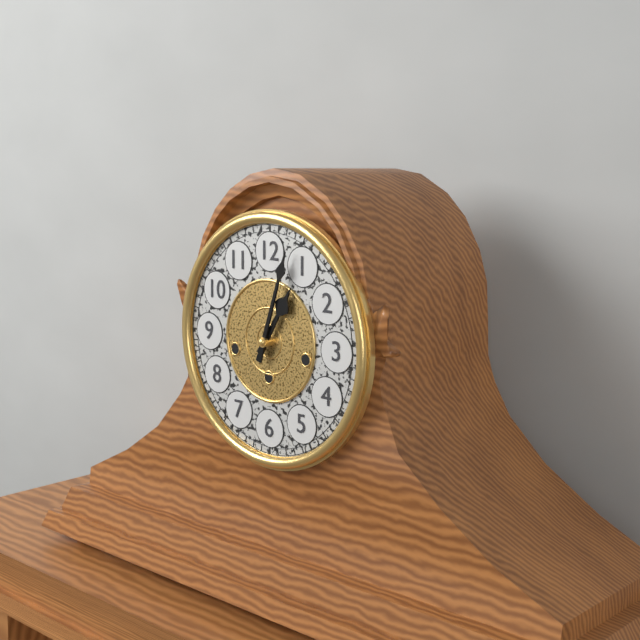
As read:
1 h 03 min
